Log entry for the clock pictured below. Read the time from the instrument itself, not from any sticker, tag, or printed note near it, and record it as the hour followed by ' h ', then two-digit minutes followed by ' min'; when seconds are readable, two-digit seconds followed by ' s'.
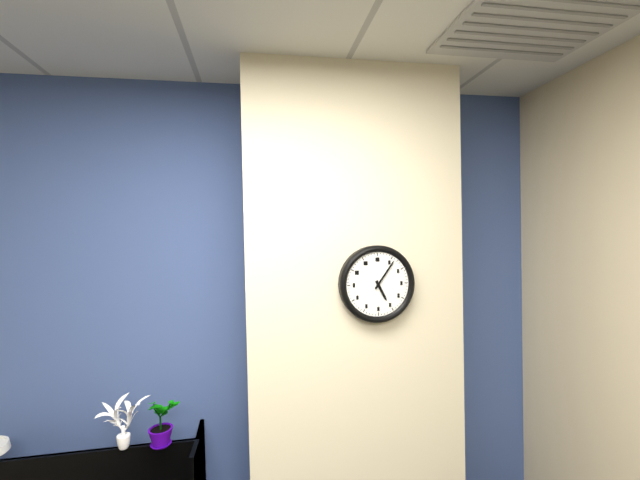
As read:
5 h 06 min
